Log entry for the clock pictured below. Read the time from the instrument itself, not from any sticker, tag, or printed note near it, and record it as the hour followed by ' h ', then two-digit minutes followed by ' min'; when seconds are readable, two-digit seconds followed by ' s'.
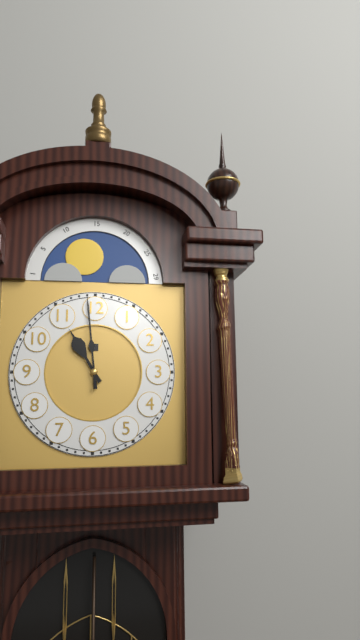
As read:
10 h 59 min
